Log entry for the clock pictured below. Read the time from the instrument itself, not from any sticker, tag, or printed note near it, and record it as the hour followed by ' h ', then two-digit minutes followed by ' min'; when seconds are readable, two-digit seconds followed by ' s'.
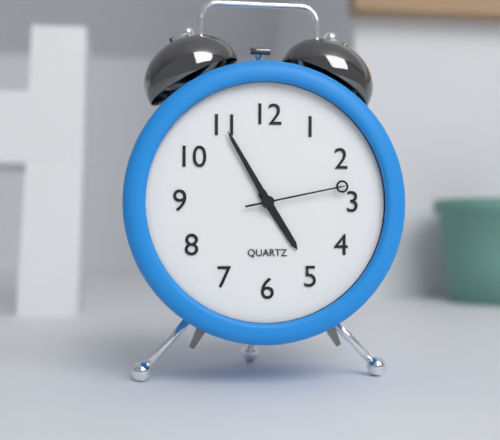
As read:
4 h 55 min 13 s
